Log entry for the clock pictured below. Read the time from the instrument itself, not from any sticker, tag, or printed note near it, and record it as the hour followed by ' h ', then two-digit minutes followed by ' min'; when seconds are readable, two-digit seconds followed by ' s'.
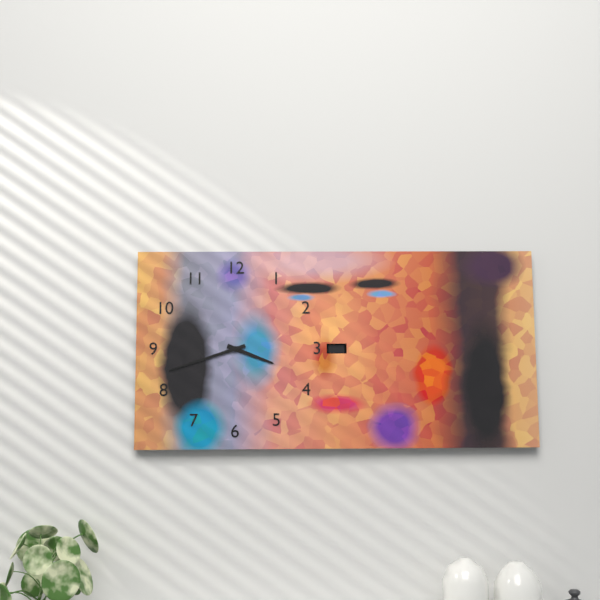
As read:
3 h 42 min
